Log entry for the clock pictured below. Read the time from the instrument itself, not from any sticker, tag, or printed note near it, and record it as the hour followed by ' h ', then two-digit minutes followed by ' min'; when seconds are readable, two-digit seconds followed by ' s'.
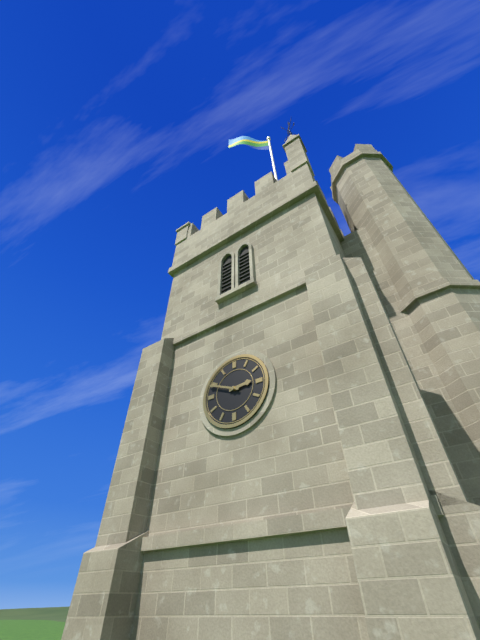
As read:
2 h 49 min
